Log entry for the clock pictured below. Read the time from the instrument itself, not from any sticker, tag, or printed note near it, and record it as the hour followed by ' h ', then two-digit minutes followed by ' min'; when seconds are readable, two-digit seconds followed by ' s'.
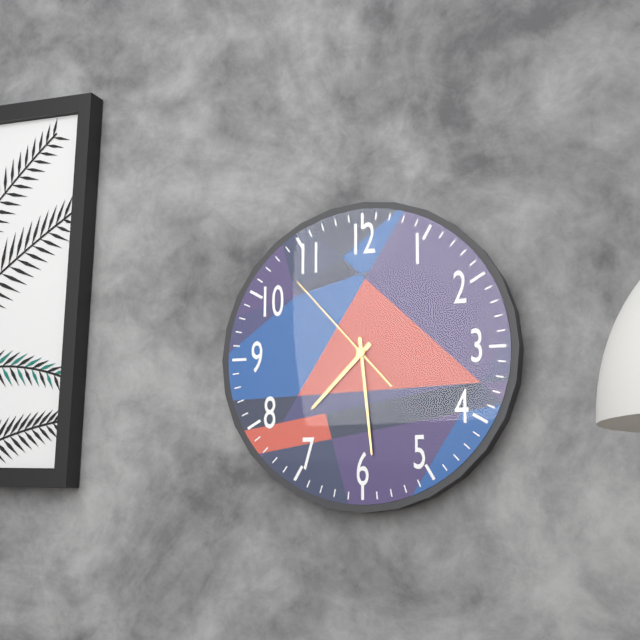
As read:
7 h 29 min 53 s
